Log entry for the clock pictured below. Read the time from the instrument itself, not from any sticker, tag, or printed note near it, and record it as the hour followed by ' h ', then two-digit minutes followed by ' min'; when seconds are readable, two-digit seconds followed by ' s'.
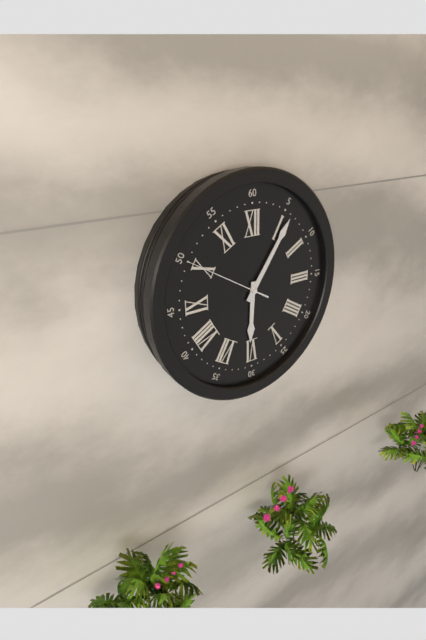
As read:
6 h 06 min 50 s
